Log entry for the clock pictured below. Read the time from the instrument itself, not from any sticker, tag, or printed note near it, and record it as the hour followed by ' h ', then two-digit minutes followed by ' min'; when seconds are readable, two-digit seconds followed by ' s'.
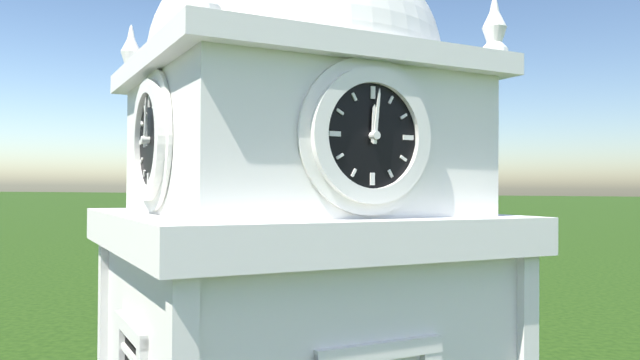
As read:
12 h 01 min
